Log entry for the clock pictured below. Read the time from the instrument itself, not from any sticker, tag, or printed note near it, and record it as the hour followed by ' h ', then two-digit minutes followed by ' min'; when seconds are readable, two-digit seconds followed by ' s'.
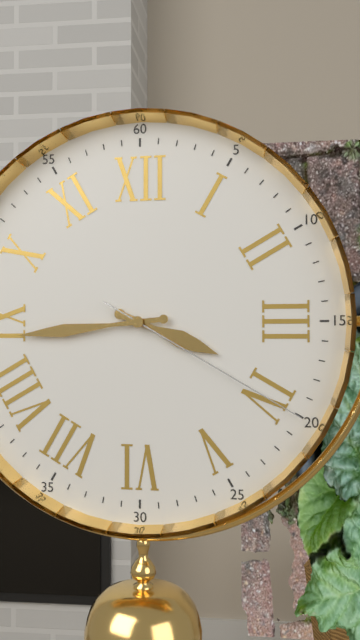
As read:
3 h 44 min 20 s
